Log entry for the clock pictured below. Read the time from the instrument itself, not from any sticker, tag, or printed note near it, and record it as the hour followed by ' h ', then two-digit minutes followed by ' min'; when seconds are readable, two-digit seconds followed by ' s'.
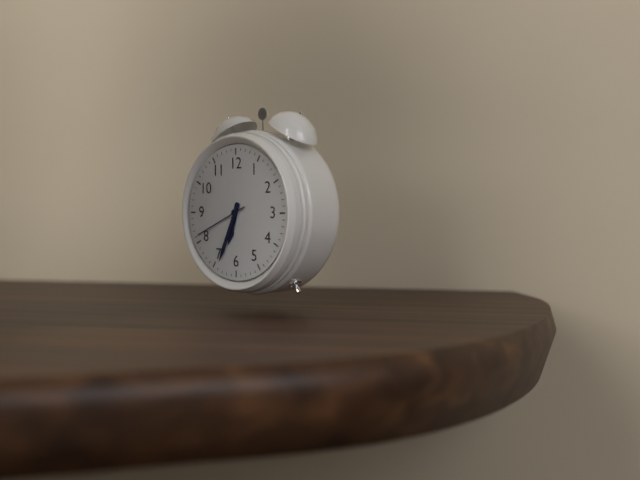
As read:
6 h 34 min 41 s
